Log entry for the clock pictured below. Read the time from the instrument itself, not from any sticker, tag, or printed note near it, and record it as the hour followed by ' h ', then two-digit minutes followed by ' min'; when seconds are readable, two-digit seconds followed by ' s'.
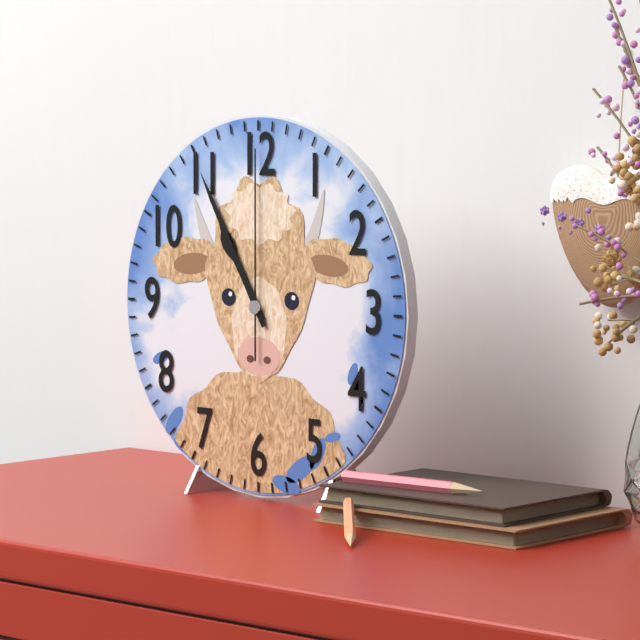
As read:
10 h 55 min 00 s
